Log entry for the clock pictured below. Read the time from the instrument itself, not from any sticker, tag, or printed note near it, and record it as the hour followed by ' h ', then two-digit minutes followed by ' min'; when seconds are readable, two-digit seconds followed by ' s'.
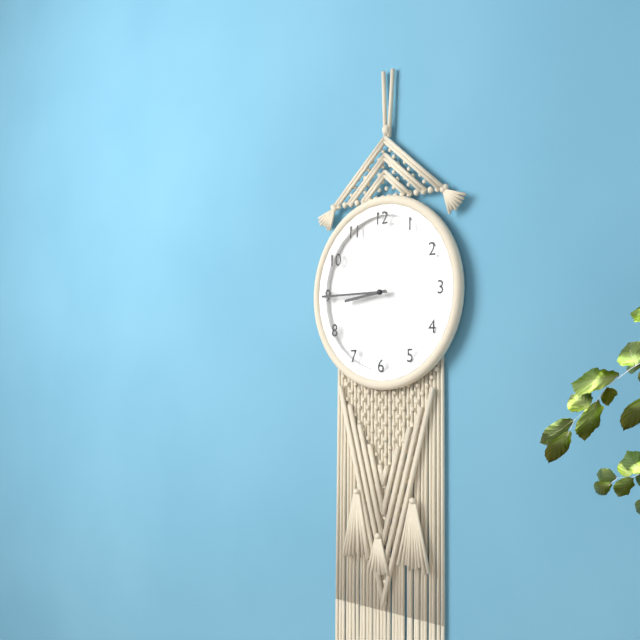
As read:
8 h 45 min
